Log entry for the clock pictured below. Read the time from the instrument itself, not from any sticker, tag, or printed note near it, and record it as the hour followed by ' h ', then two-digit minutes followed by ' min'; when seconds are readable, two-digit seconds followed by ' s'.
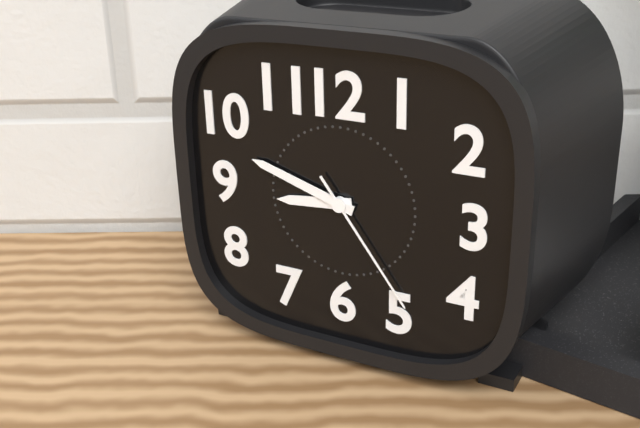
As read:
8 h 48 min 24 s
